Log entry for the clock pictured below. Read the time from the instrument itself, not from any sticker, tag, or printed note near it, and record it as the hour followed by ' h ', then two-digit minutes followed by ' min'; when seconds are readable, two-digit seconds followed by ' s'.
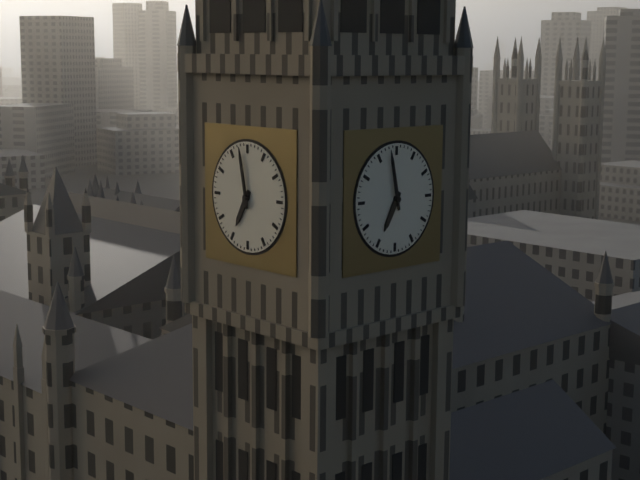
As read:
6 h 58 min
